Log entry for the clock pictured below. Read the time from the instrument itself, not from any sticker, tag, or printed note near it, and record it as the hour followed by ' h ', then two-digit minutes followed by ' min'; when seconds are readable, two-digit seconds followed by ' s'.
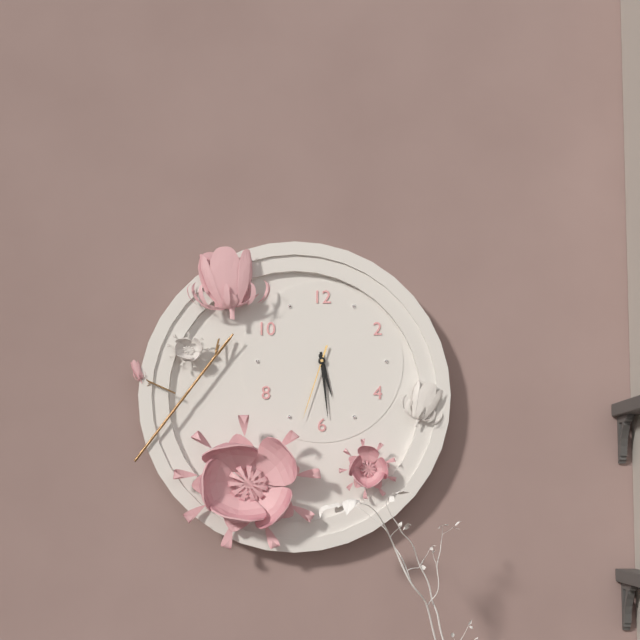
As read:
5 h 29 min 33 s
